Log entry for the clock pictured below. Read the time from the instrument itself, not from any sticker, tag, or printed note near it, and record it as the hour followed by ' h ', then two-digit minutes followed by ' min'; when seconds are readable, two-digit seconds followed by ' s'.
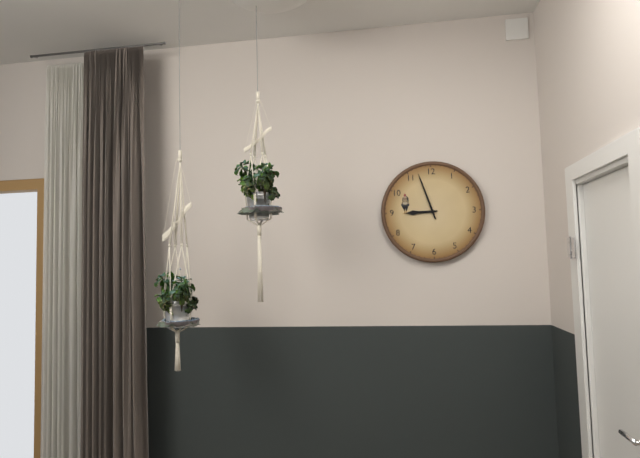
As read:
8 h 57 min
